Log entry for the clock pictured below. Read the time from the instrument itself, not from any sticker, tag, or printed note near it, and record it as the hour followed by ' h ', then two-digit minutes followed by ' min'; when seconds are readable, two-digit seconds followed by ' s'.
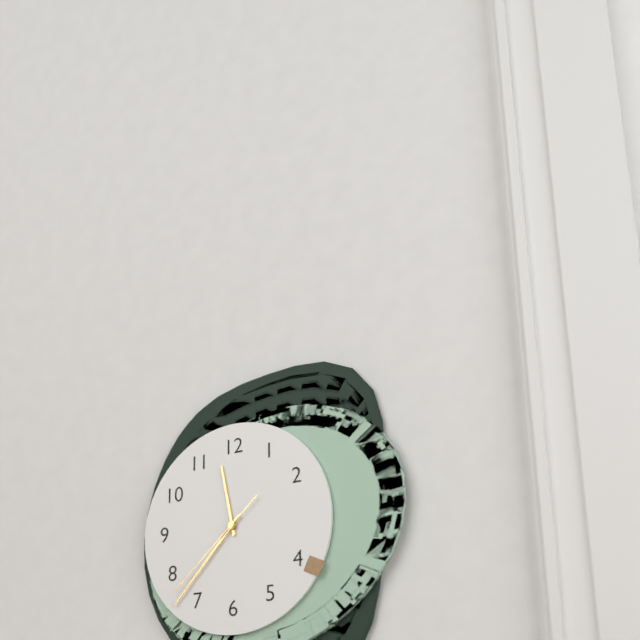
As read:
11 h 37 min 38 s
